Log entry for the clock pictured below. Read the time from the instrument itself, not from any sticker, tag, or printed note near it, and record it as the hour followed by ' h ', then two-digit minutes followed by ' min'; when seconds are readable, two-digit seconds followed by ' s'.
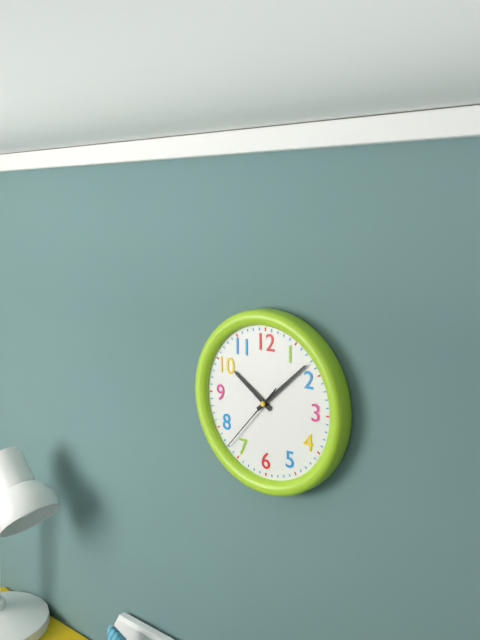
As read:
10 h 08 min 37 s
